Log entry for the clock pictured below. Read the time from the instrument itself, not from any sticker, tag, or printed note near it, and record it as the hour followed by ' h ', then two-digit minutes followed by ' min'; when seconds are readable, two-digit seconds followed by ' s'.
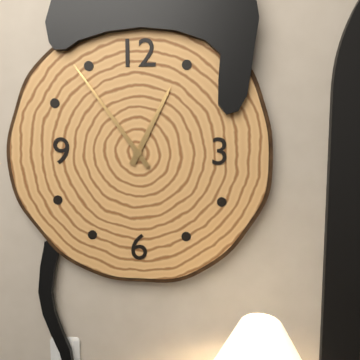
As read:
12 h 54 min
